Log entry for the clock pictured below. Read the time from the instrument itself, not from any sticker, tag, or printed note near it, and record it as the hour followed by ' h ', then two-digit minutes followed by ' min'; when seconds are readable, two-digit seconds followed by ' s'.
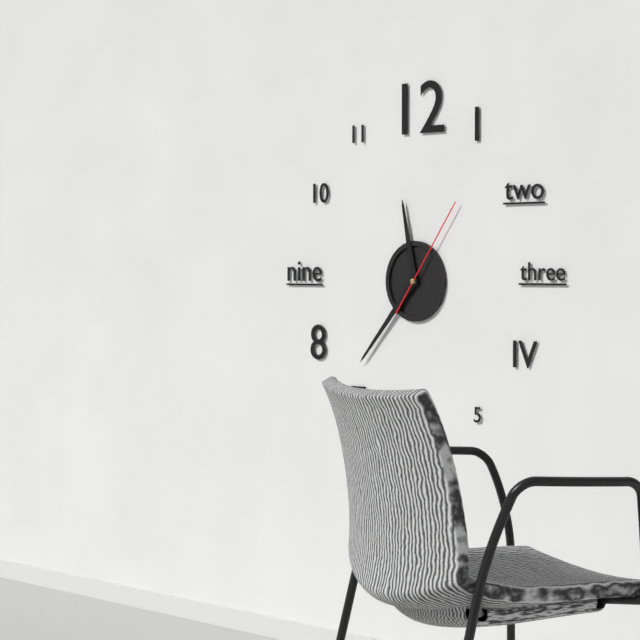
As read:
11 h 37 min 06 s
